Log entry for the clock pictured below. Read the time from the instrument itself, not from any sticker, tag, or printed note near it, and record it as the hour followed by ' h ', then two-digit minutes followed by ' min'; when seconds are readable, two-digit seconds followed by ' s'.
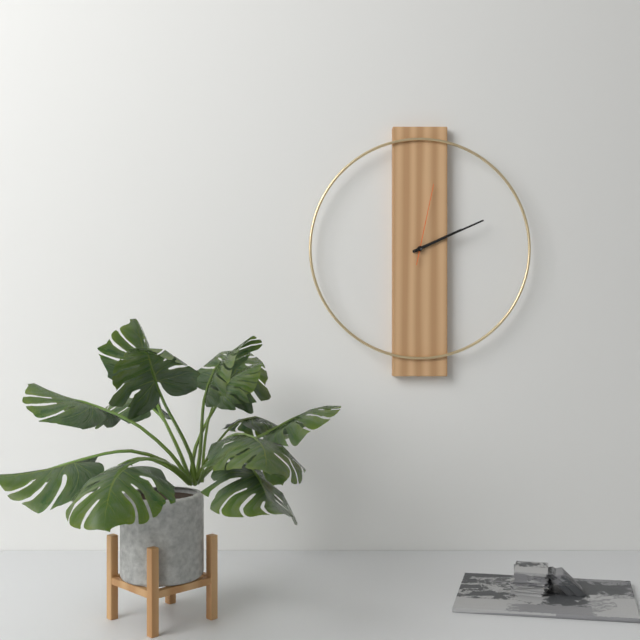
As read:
2 h 11 min 02 s
